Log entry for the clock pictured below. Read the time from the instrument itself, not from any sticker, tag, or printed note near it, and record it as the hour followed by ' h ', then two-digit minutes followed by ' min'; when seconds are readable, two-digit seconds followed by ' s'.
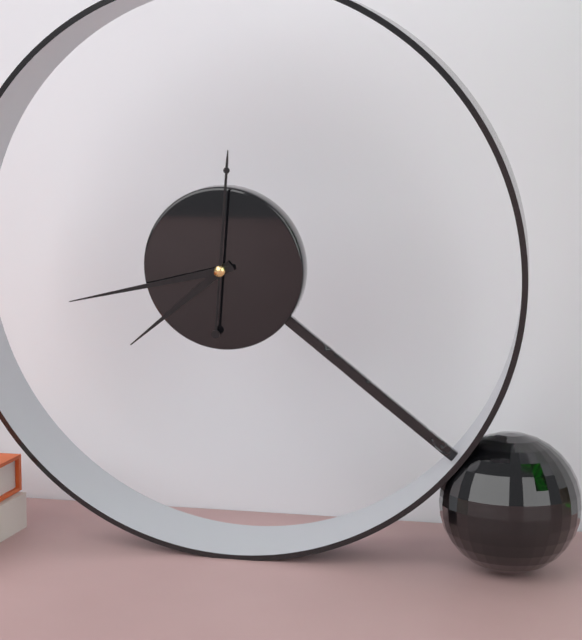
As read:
7 h 43 min 01 s
